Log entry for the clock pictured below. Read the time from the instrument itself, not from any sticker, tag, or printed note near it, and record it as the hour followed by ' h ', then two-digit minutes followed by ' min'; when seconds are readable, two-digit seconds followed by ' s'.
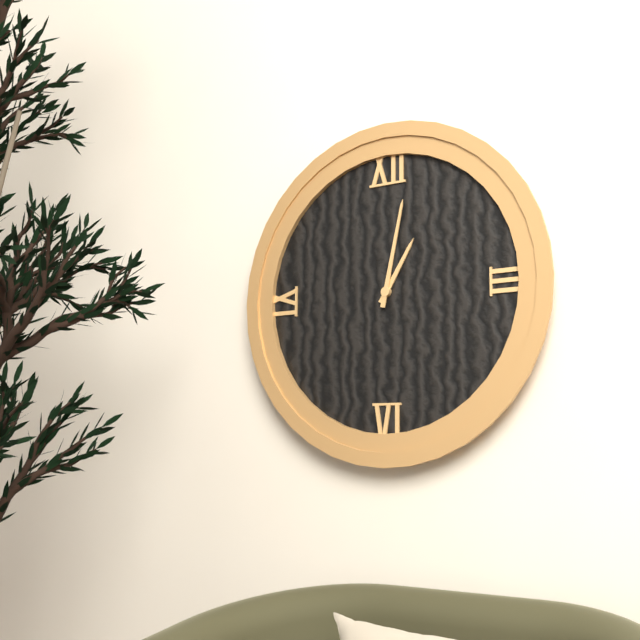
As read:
1 h 02 min
